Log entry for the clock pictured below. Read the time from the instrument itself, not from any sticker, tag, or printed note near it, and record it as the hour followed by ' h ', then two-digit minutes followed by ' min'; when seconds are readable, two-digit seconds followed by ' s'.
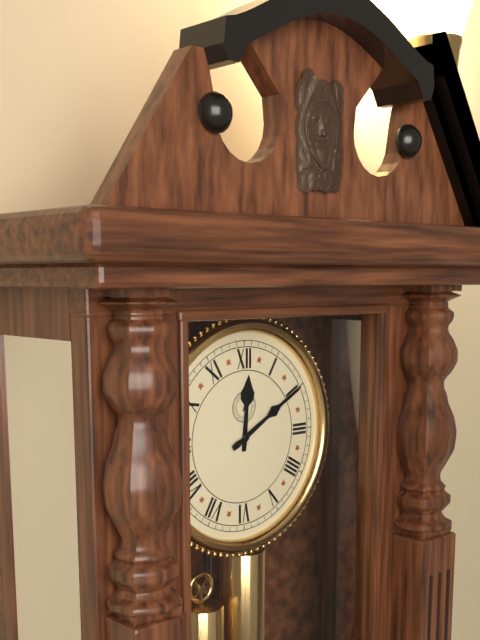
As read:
12 h 10 min
